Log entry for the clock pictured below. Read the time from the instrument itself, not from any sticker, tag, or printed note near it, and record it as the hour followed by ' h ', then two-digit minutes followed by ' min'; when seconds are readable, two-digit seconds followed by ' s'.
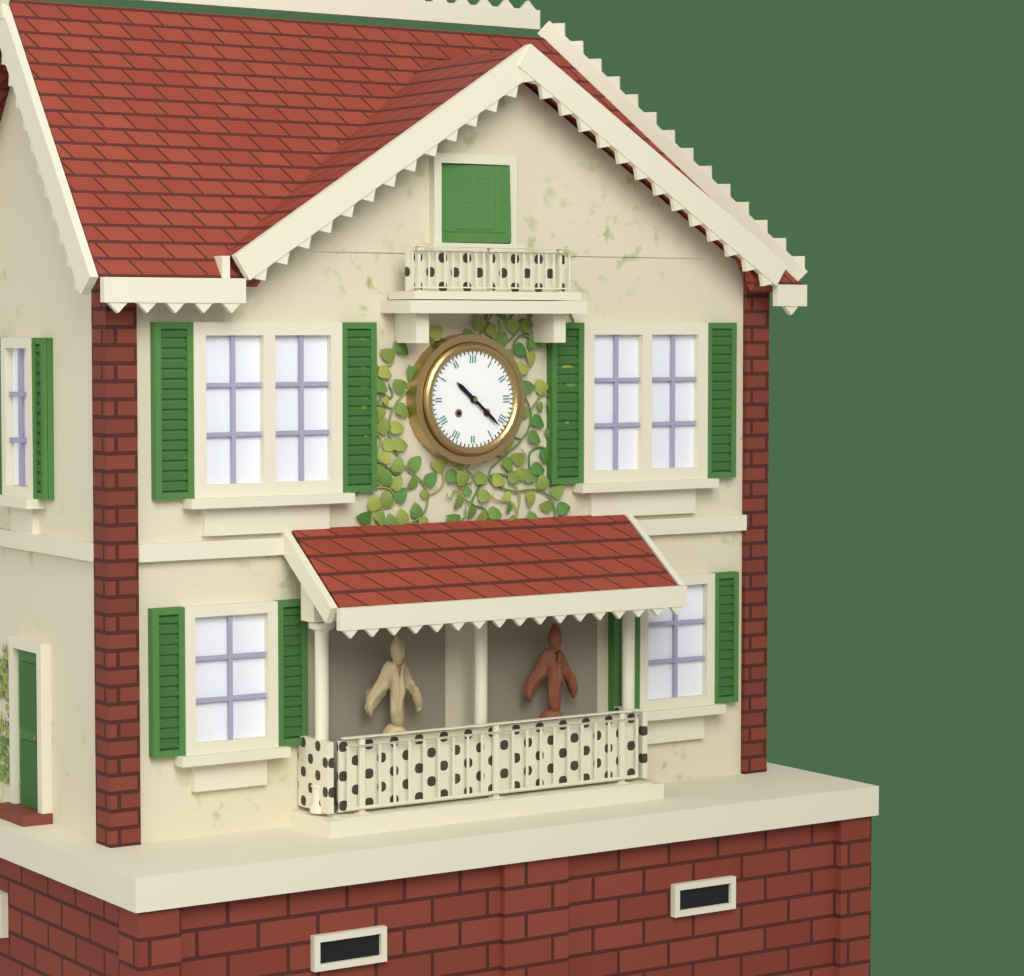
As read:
10 h 22 min
